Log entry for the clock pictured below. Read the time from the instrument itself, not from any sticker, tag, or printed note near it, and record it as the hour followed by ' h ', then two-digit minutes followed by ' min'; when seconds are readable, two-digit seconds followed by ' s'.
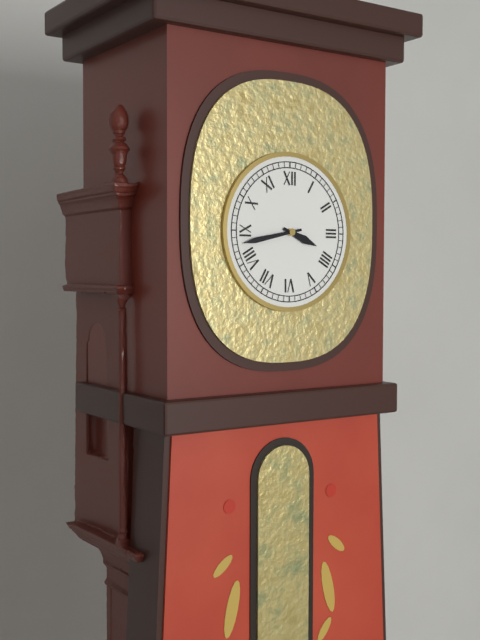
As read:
3 h 43 min
